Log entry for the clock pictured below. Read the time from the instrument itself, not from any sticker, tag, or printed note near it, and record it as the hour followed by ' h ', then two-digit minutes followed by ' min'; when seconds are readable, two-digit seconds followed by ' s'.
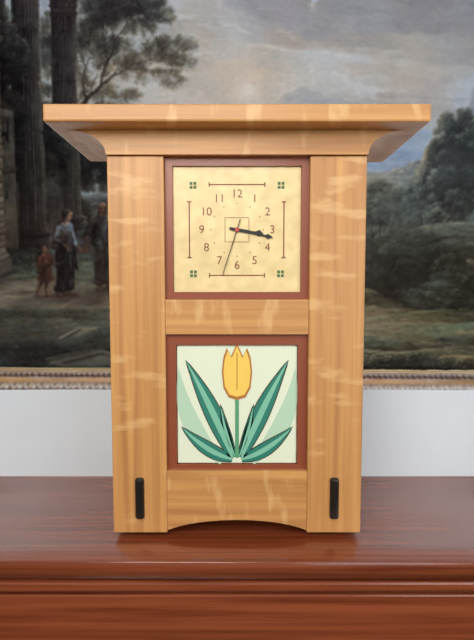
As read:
3 h 17 min 33 s
